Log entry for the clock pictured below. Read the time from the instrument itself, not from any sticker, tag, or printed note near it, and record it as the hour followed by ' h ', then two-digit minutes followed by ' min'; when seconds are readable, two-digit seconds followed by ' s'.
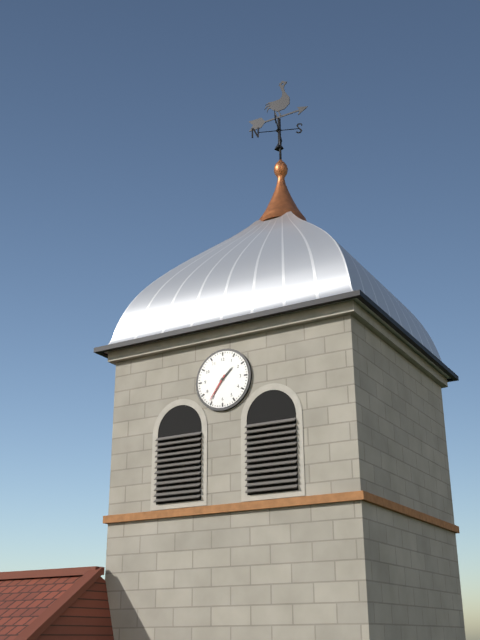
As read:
1 h 36 min
